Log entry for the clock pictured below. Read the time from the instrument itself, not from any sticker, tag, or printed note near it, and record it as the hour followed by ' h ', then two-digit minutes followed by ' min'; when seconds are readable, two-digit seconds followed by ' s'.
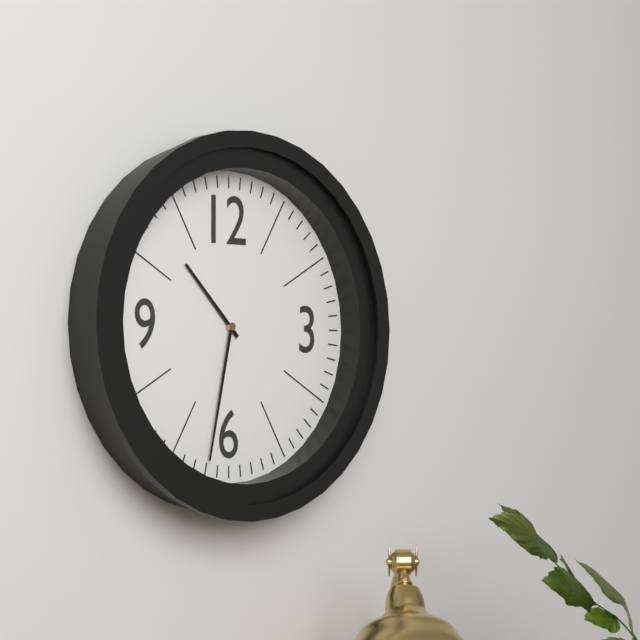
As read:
10 h 32 min
